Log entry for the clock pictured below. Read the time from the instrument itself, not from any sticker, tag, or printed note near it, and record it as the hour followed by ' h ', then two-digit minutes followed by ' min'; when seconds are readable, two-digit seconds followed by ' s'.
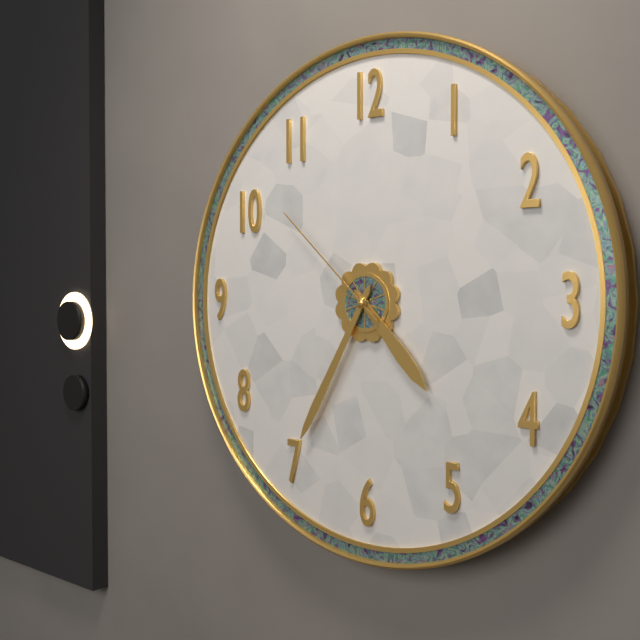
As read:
4 h 35 min 52 s
